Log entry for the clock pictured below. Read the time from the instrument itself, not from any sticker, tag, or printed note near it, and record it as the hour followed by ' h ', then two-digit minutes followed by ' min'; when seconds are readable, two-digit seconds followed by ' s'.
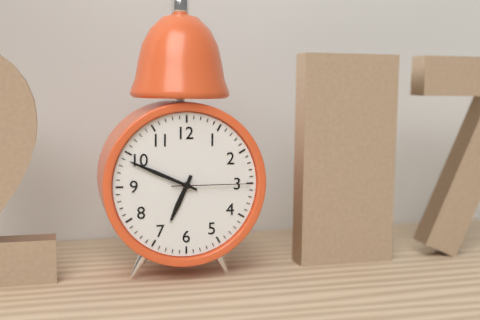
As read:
6 h 49 min 15 s
